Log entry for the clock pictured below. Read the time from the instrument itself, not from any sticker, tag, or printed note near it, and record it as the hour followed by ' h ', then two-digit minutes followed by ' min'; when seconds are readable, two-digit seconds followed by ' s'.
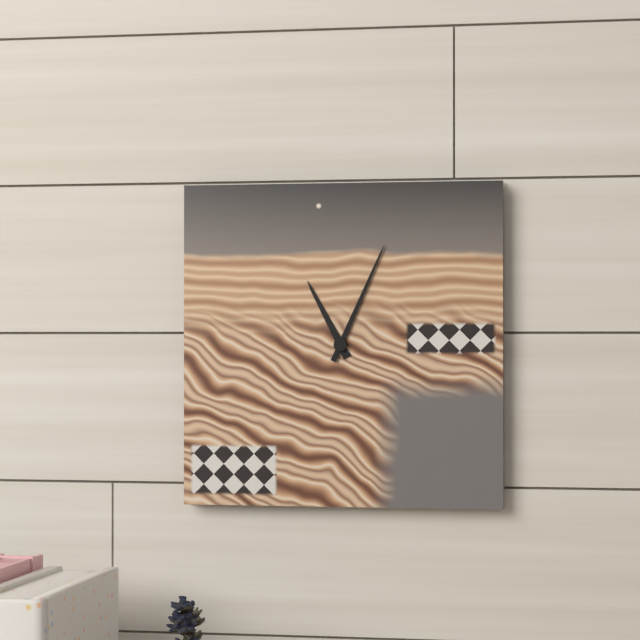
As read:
11 h 04 min
